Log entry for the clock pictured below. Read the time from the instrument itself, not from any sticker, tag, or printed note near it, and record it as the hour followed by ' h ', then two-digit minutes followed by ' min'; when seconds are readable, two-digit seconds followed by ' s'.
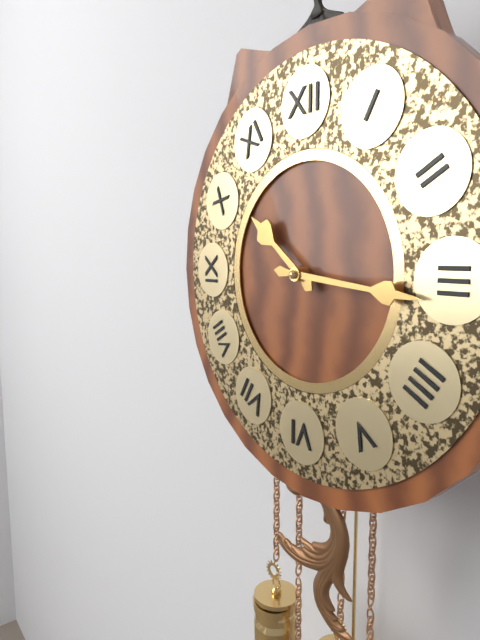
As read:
10 h 16 min
